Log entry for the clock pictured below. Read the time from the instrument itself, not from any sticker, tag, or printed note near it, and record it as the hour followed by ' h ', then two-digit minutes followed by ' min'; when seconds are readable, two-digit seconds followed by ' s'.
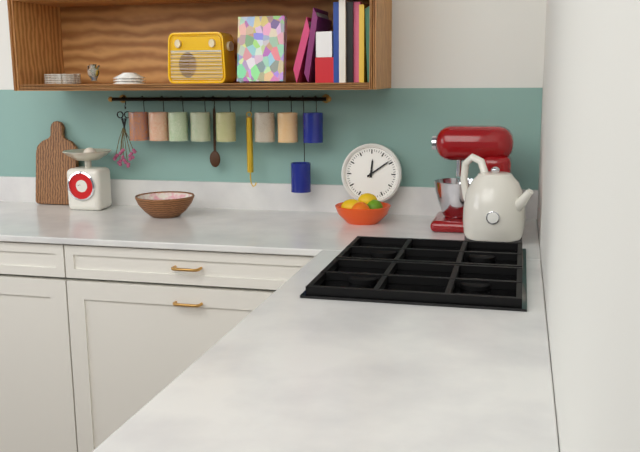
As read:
12 h 09 min
